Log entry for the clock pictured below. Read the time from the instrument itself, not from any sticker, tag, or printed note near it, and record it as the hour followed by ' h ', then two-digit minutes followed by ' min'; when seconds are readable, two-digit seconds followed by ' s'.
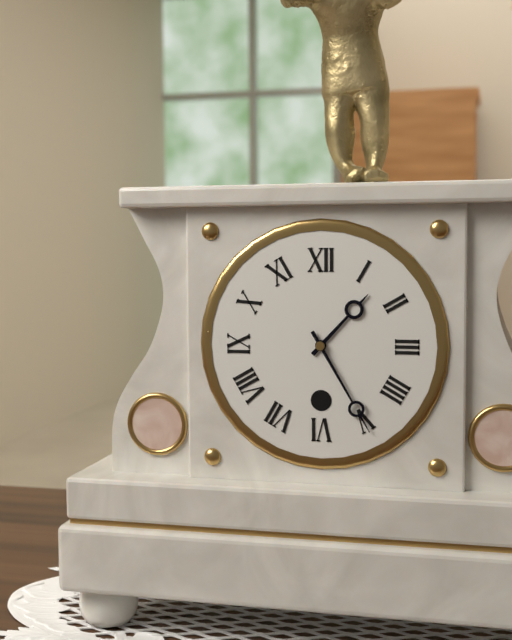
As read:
1 h 25 min
